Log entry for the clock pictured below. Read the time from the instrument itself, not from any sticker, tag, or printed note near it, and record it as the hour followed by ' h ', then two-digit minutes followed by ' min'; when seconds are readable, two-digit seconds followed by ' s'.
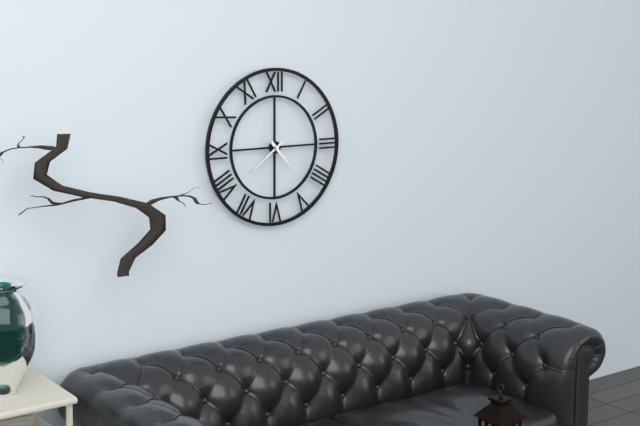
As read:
4 h 39 min
